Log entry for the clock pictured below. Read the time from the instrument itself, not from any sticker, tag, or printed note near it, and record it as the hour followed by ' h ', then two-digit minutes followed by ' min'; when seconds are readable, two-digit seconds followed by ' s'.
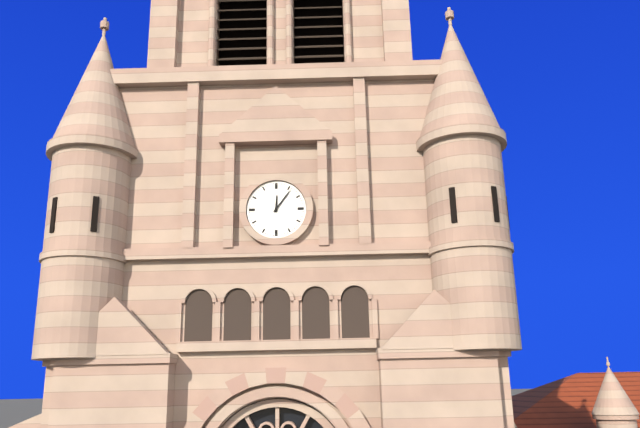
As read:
12 h 06 min
